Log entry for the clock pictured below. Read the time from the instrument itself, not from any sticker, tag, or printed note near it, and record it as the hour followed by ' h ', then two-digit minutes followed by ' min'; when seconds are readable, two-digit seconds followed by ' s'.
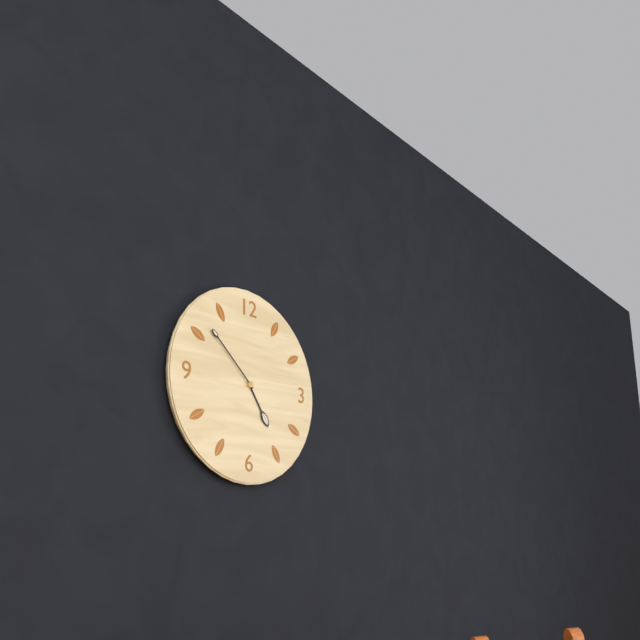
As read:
4 h 52 min
